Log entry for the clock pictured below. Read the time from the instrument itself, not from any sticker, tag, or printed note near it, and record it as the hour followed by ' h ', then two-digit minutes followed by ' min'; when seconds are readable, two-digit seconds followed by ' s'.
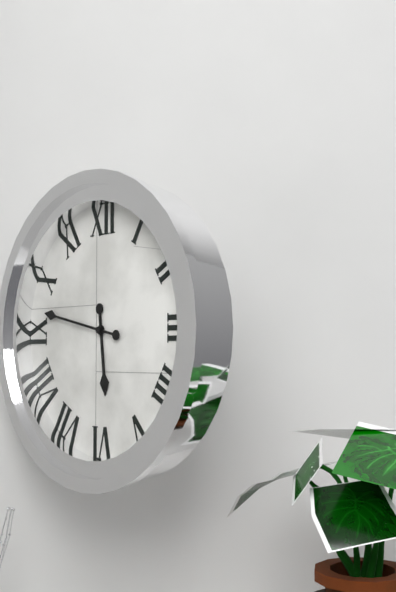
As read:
5 h 47 min
